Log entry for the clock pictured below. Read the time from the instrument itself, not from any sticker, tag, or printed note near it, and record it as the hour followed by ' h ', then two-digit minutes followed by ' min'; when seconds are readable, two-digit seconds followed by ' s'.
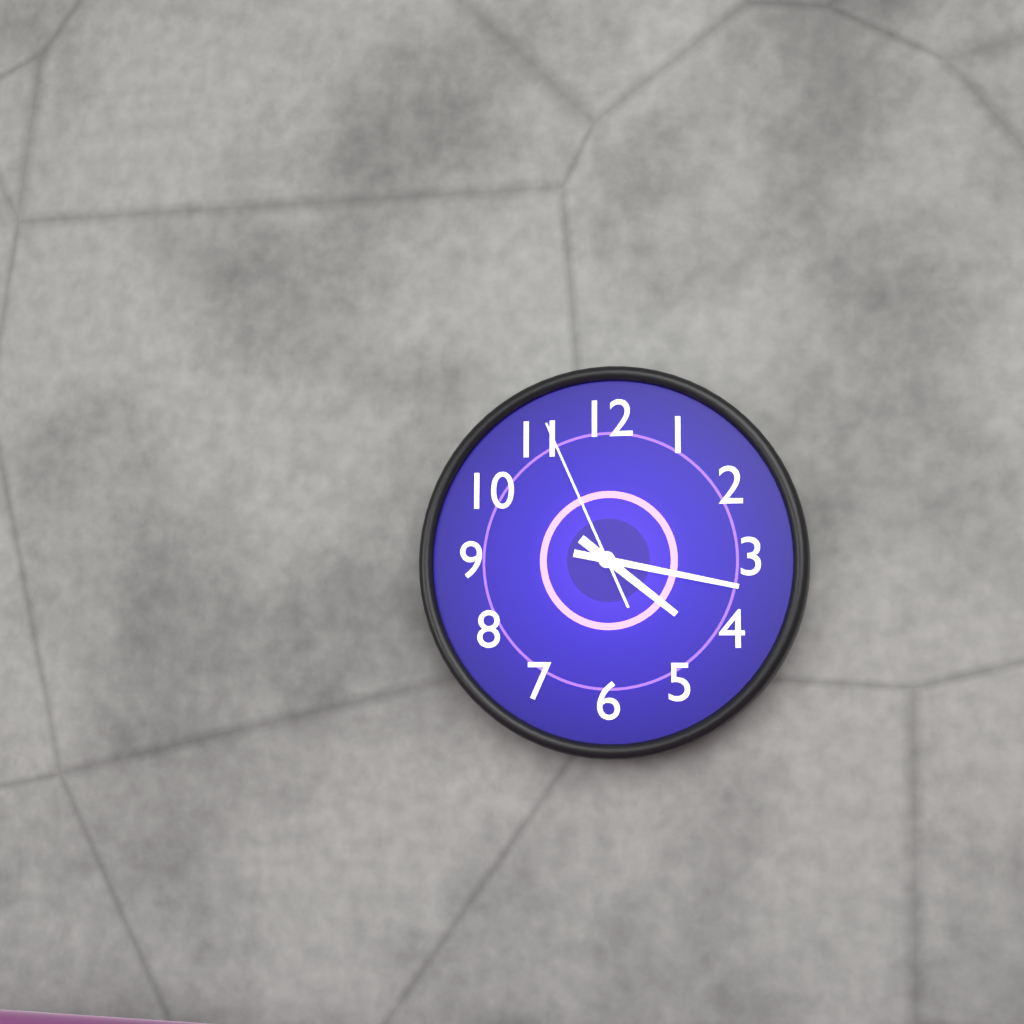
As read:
4 h 17 min 56 s
